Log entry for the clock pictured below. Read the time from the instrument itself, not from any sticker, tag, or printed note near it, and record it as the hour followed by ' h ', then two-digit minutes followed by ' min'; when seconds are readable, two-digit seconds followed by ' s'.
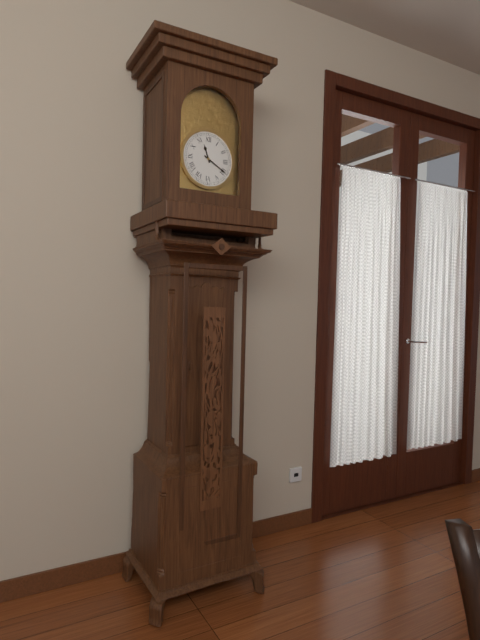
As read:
11 h 20 min
